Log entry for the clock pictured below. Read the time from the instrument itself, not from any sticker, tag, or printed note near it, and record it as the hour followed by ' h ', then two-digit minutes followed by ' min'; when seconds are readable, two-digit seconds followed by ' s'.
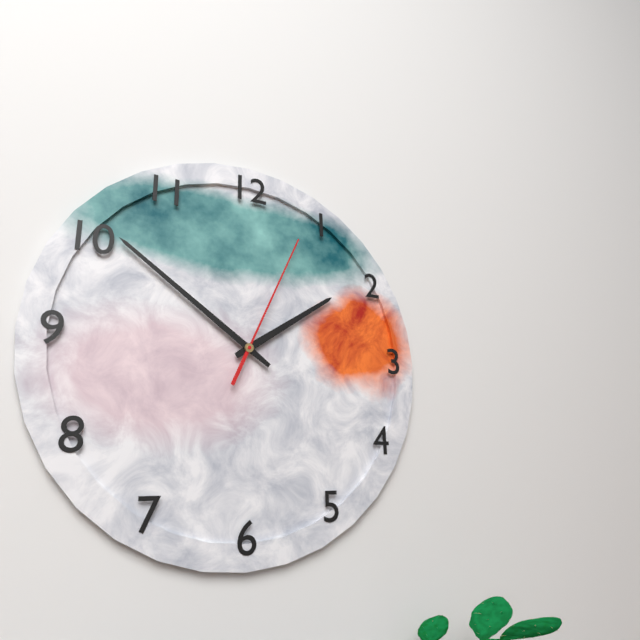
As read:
1 h 51 min 04 s
